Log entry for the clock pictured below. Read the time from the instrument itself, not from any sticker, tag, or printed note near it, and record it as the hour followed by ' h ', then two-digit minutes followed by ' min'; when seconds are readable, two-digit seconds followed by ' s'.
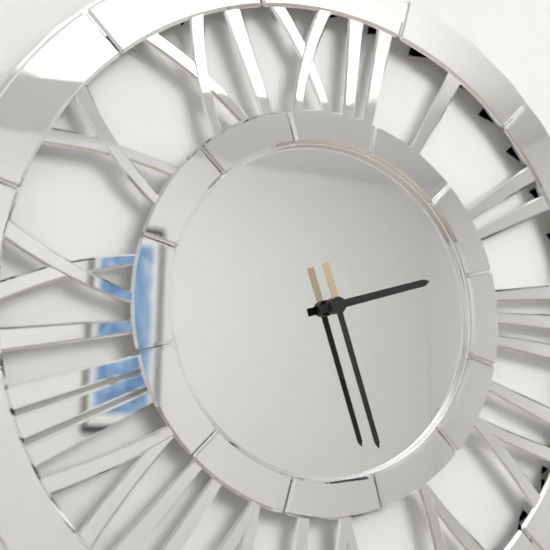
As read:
2 h 27 min
